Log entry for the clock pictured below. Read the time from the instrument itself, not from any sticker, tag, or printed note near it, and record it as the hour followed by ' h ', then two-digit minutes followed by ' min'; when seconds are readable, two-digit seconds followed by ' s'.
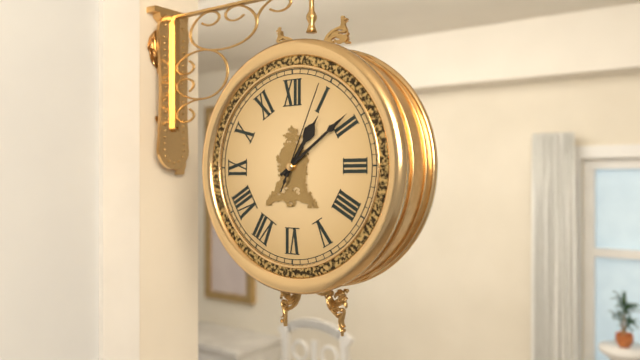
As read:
1 h 09 min 04 s
